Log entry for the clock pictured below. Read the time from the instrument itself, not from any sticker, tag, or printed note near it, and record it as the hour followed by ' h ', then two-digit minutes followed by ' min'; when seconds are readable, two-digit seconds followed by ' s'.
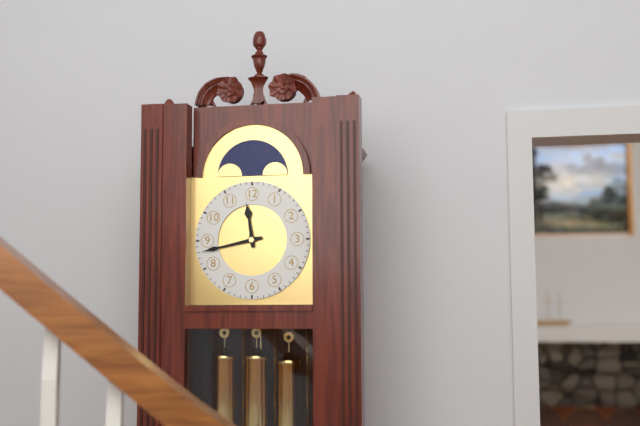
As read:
11 h 43 min
